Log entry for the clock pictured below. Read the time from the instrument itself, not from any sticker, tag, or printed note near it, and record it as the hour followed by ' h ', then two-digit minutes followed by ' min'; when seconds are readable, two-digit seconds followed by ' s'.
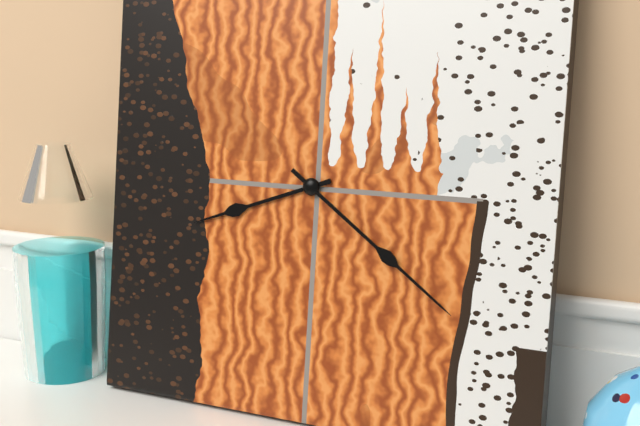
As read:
8 h 21 min
